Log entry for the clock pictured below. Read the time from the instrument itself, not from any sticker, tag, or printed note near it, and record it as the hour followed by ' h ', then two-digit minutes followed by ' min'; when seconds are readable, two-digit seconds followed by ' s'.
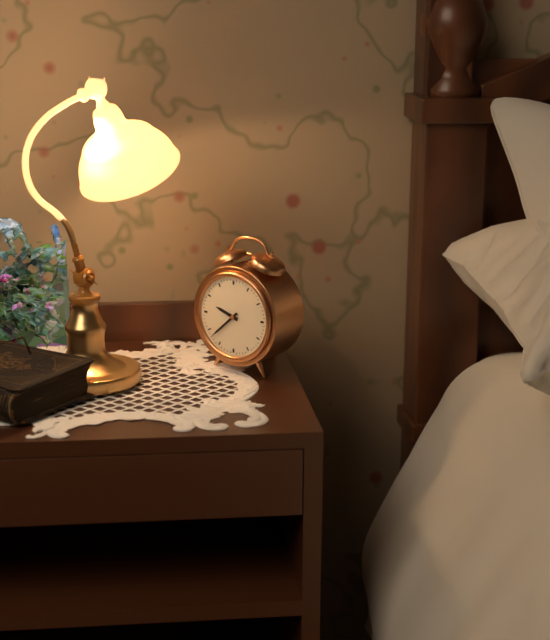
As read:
9 h 38 min
